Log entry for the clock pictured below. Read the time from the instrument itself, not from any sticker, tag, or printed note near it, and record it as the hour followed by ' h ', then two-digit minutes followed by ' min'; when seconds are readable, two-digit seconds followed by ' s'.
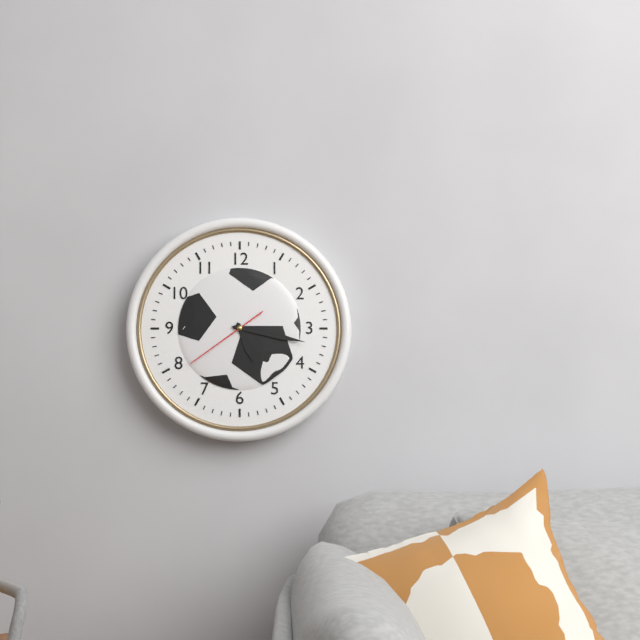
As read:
5 h 17 min 39 s
